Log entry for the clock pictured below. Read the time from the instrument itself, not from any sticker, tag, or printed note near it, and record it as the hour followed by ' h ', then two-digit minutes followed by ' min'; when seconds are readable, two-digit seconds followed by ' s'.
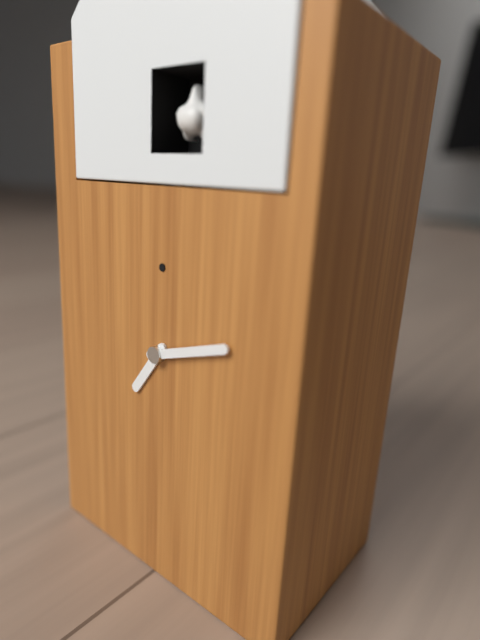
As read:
7 h 12 min
